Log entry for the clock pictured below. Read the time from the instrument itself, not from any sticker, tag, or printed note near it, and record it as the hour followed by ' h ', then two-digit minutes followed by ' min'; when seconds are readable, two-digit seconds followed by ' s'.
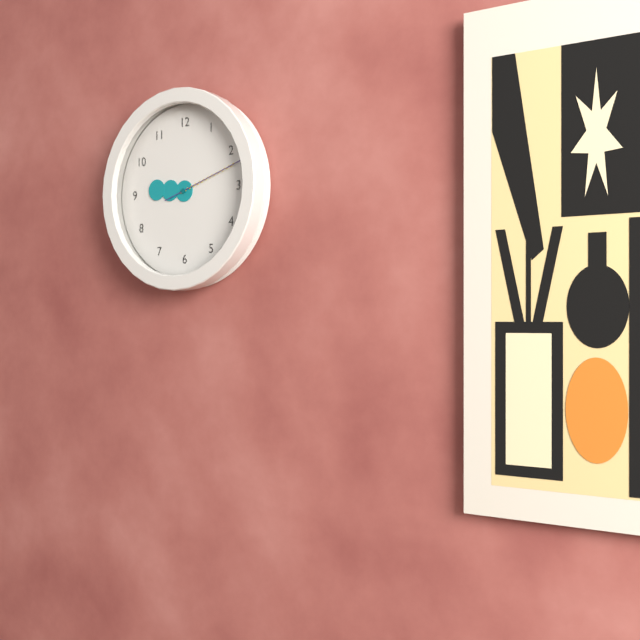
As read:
9 h 12 min 12 s
